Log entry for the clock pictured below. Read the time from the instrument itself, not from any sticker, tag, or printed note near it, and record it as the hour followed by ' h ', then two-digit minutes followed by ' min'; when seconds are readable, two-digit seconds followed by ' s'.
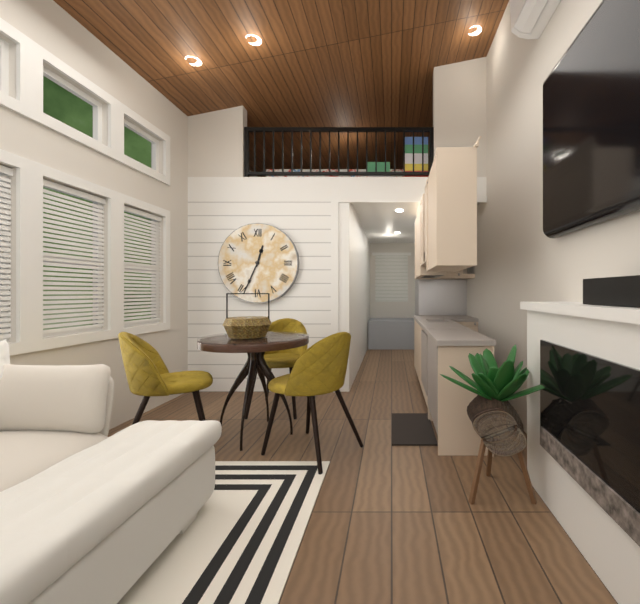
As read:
12 h 34 min
